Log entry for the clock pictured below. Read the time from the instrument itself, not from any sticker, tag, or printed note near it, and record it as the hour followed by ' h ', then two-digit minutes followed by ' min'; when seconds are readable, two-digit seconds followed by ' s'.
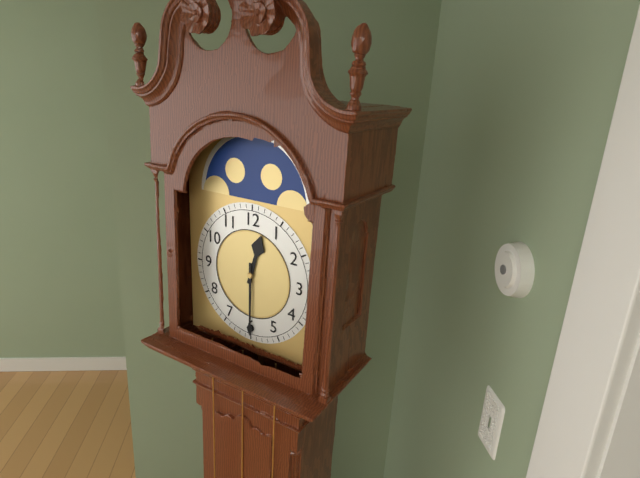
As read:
12 h 30 min
